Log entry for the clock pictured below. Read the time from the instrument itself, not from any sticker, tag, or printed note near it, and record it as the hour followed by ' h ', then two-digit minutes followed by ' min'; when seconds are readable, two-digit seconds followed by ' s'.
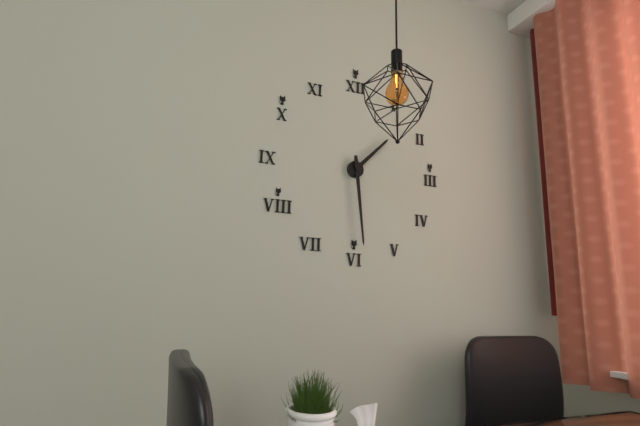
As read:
1 h 29 min
